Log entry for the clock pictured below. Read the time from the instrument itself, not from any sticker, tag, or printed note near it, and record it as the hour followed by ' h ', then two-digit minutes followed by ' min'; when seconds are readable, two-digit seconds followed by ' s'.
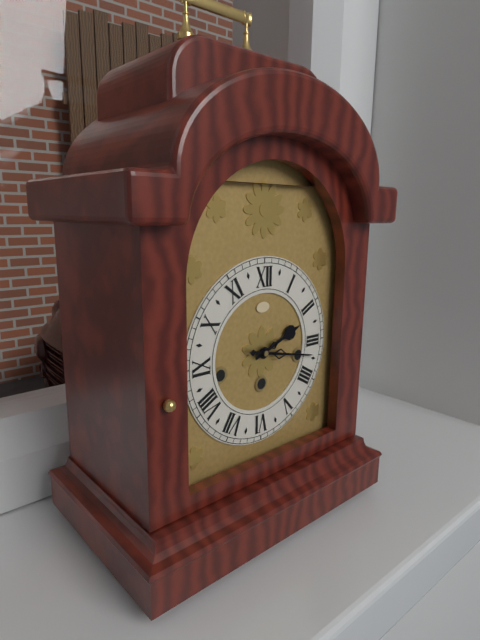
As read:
2 h 17 min
